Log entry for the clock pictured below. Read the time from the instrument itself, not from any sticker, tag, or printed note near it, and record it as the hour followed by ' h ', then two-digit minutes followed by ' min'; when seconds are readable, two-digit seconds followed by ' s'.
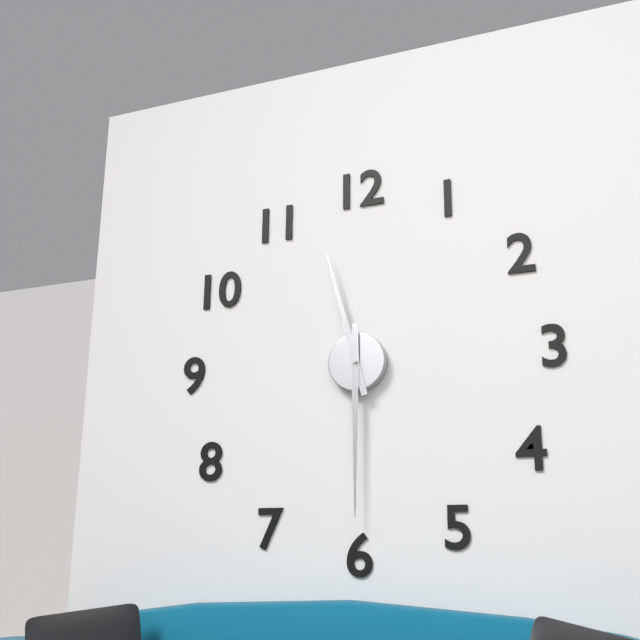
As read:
11 h 30 min
